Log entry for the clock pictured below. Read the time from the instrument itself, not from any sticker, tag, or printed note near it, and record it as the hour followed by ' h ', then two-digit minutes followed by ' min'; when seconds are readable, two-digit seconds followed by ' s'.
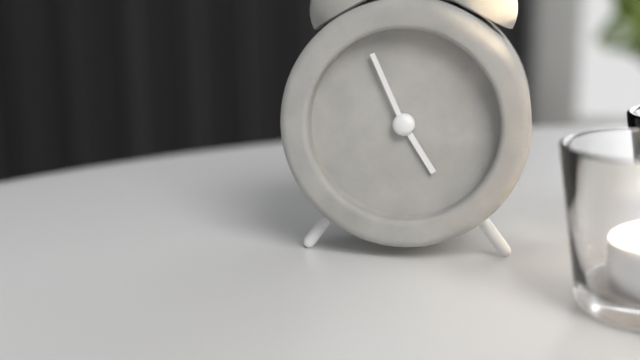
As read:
4 h 56 min
